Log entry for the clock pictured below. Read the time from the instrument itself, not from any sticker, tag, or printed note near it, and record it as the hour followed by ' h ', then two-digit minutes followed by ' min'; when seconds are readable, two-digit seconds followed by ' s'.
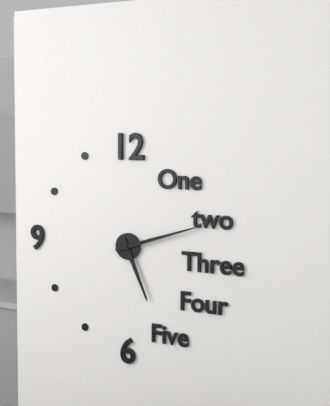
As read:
5 h 12 min
